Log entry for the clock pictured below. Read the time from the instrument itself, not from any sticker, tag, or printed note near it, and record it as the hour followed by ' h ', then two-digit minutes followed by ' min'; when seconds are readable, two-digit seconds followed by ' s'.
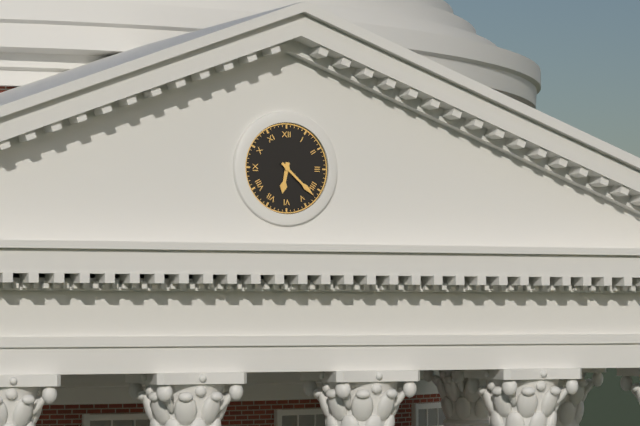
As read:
6 h 22 min
